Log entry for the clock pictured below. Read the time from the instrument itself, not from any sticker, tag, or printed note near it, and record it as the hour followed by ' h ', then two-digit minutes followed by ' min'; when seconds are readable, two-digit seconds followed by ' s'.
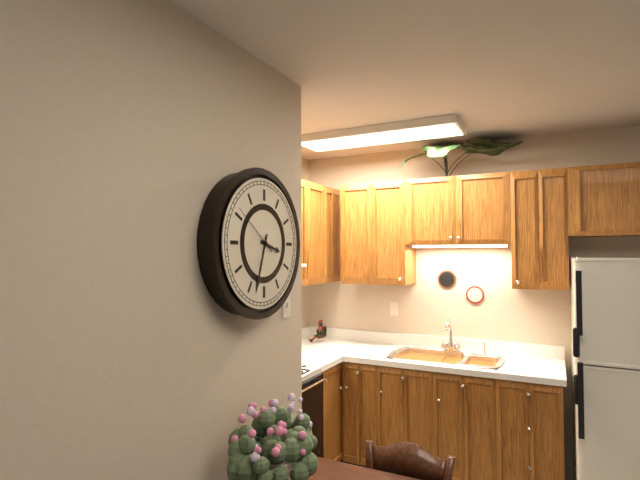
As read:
3 h 33 min 51 s
